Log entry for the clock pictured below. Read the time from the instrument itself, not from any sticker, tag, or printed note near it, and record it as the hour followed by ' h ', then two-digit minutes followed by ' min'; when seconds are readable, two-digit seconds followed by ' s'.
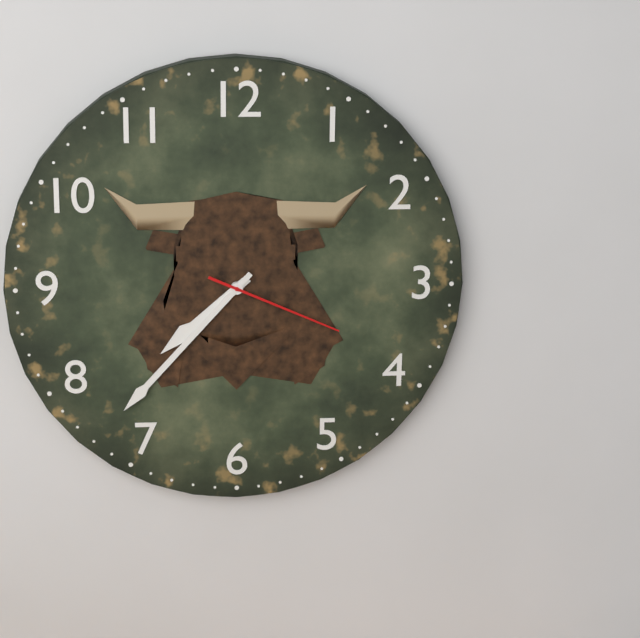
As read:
7 h 37 min 19 s
